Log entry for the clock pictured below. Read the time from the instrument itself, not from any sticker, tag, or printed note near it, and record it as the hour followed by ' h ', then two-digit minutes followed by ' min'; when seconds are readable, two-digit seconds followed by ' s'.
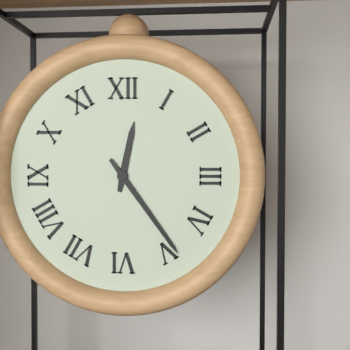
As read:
12 h 24 min
